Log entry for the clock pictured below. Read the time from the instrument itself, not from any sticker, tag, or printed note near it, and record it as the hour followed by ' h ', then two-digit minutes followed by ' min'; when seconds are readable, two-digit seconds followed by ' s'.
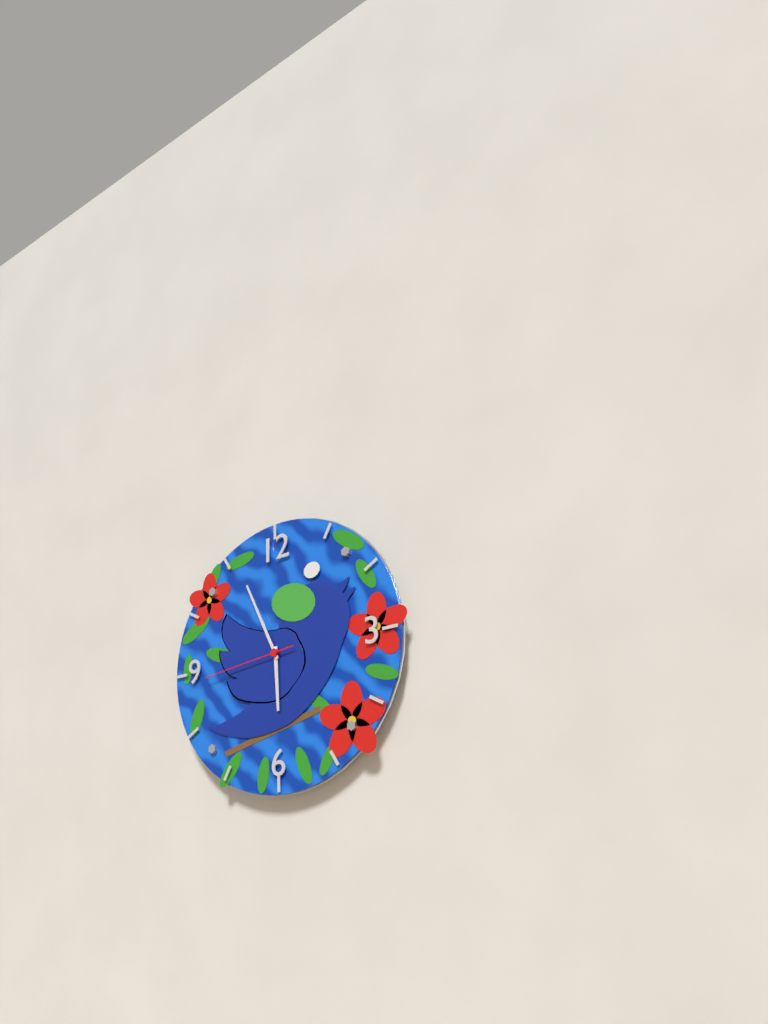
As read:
5 h 56 min 44 s
